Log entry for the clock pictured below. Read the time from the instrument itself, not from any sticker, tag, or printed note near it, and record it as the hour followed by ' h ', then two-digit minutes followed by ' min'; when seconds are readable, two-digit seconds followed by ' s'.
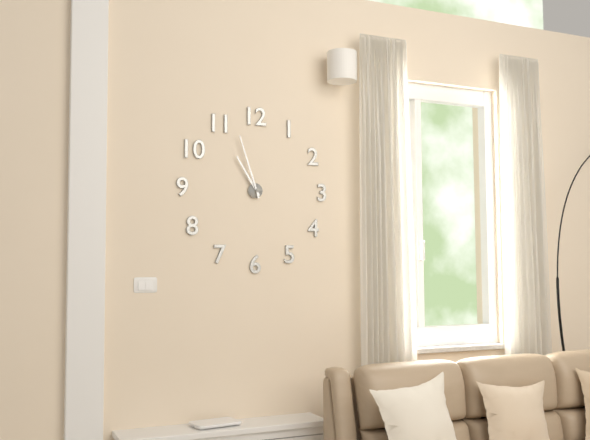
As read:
10 h 57 min
